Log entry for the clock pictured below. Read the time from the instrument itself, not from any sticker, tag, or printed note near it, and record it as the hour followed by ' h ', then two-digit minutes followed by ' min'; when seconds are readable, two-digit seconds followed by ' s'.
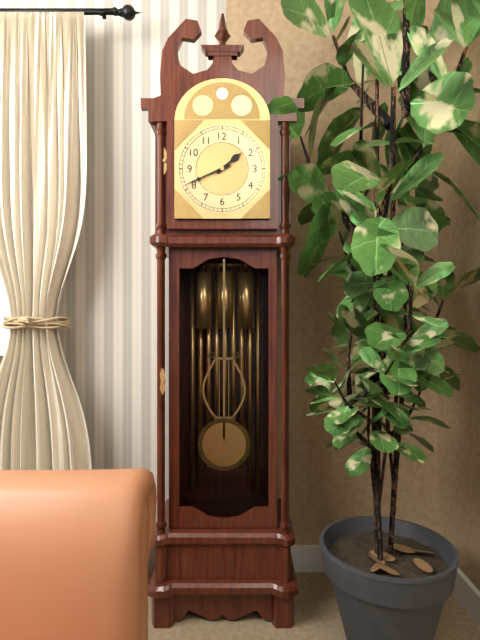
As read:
1 h 41 min
